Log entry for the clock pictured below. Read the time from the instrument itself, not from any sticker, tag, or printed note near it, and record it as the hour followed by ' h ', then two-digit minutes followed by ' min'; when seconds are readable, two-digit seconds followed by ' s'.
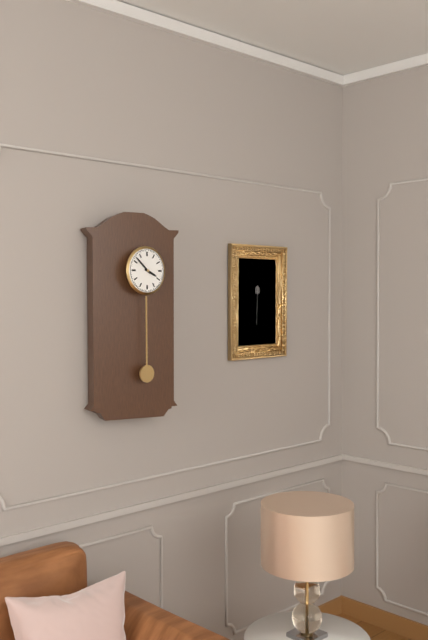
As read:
3 h 52 min
